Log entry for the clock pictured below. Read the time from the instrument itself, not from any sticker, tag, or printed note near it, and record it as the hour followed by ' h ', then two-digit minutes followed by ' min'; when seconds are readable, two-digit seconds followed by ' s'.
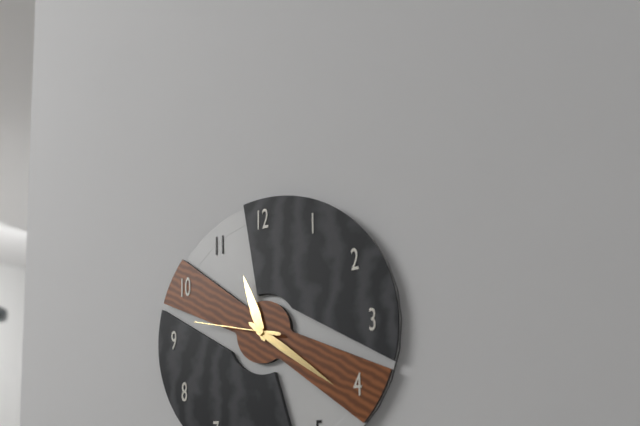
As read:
11 h 21 min 47 s
